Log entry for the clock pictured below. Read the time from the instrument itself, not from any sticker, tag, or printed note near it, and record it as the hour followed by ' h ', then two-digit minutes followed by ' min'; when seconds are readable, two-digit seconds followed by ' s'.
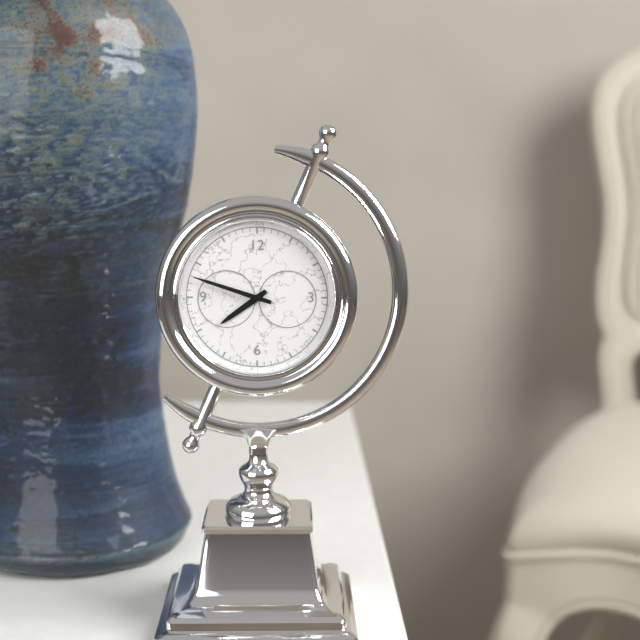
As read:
7 h 48 min
